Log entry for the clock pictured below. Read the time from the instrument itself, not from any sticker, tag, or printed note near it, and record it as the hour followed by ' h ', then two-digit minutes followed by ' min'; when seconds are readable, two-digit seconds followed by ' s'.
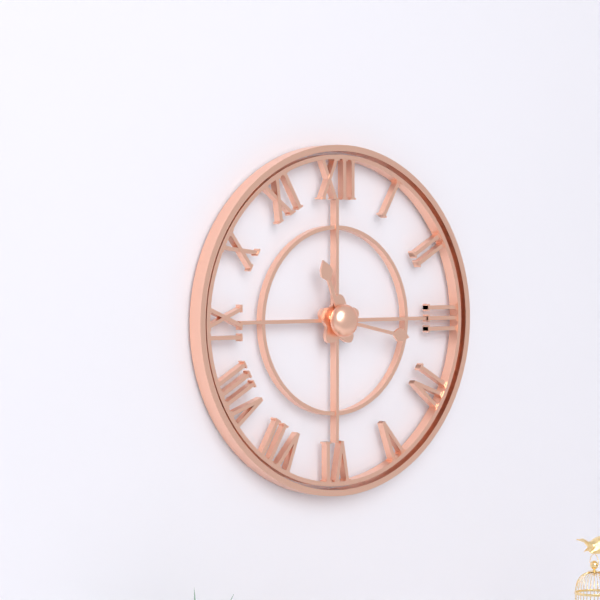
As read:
11 h 17 min
